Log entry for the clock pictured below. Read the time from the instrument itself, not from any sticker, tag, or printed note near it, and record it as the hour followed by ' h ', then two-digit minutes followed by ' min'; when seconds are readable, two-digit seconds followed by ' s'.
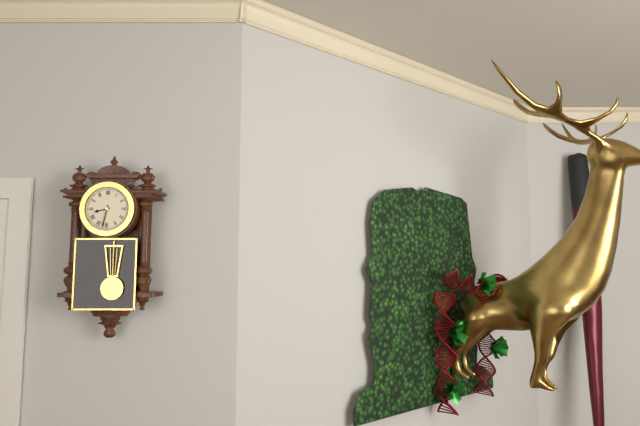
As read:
8 h 32 min
